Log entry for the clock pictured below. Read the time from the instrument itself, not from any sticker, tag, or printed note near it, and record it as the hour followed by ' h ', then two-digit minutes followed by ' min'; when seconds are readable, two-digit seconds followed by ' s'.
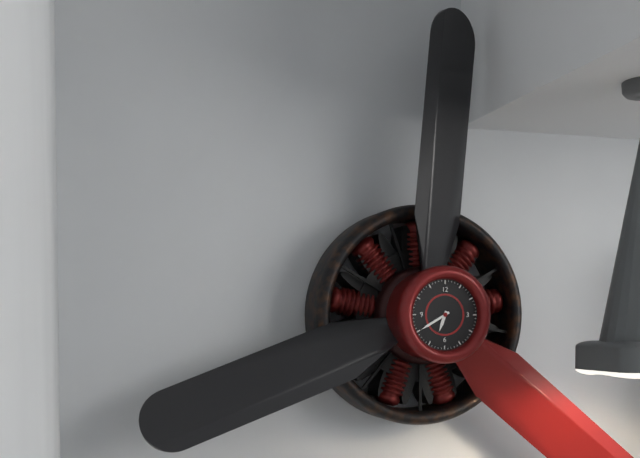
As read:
6 h 40 min
